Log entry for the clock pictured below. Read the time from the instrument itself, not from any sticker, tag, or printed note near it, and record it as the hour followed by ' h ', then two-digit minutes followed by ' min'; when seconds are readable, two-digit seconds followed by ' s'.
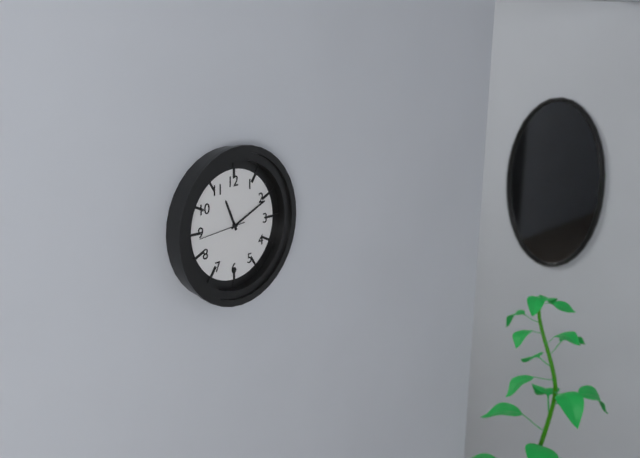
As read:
11 h 11 min
